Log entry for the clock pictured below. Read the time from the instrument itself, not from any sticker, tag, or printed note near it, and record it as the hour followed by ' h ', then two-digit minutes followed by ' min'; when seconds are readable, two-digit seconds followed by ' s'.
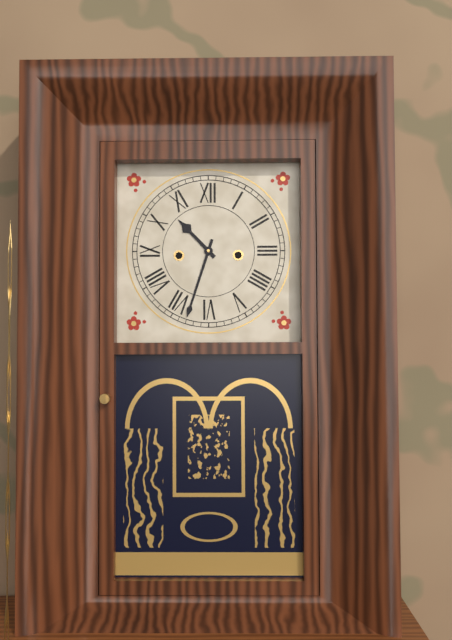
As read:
10 h 33 min
